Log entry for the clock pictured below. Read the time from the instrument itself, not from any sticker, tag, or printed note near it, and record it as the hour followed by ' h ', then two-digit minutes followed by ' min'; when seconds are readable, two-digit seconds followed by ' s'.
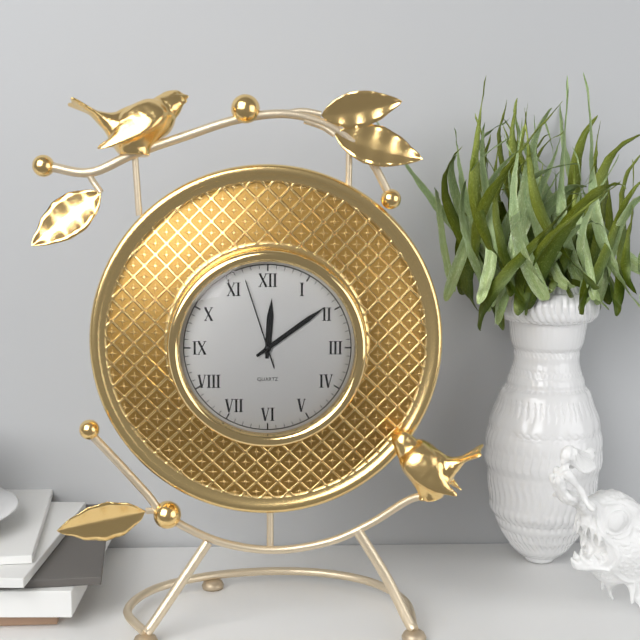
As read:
12 h 09 min 57 s
